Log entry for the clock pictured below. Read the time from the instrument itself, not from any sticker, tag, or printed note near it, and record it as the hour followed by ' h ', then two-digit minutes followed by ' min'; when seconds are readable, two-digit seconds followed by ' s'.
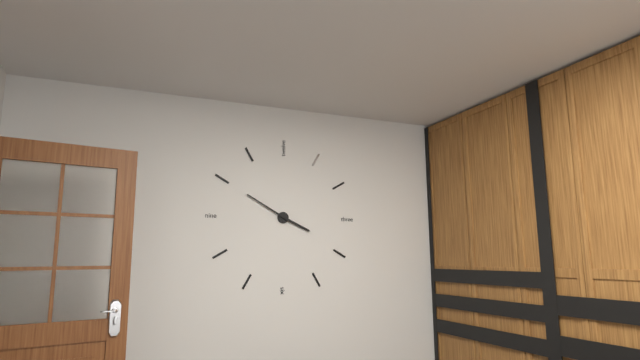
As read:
3 h 50 min
